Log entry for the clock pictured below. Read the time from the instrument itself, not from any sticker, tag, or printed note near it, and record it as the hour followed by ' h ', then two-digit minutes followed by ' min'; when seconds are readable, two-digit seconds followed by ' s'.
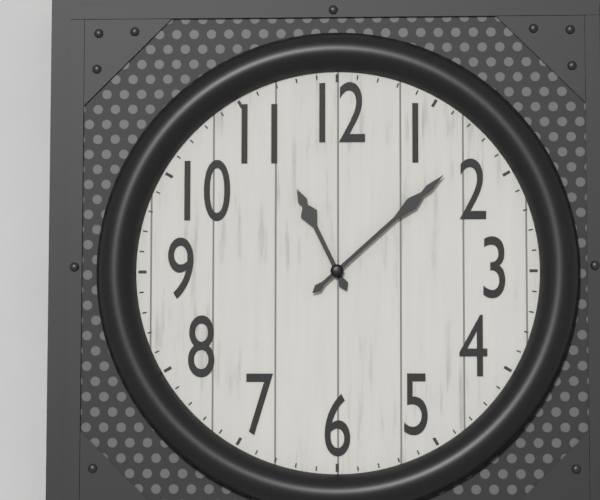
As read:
11 h 08 min
